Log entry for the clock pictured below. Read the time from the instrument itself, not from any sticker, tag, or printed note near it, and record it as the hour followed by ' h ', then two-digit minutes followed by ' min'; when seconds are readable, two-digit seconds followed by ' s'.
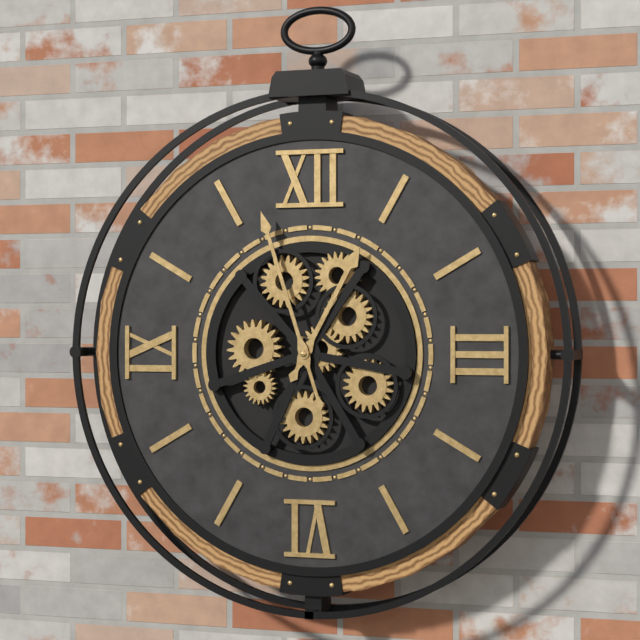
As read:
12 h 57 min
